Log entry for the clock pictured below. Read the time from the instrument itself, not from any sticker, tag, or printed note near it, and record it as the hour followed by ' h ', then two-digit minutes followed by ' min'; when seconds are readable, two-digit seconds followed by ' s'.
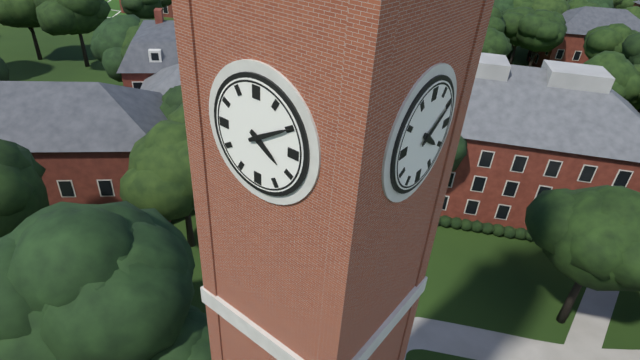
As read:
4 h 10 min
